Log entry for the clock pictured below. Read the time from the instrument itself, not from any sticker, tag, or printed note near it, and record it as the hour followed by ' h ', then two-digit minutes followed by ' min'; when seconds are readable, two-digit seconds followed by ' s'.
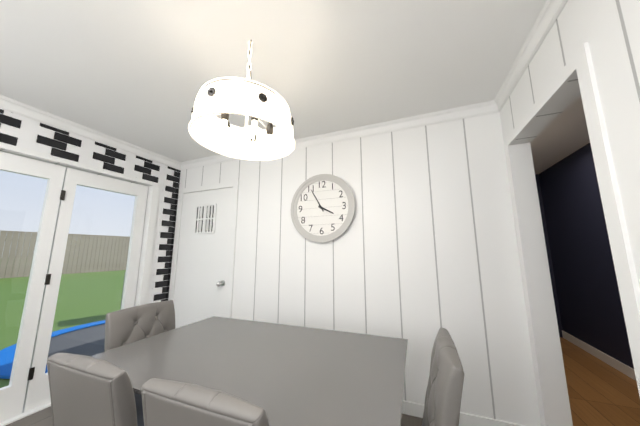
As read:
3 h 55 min
